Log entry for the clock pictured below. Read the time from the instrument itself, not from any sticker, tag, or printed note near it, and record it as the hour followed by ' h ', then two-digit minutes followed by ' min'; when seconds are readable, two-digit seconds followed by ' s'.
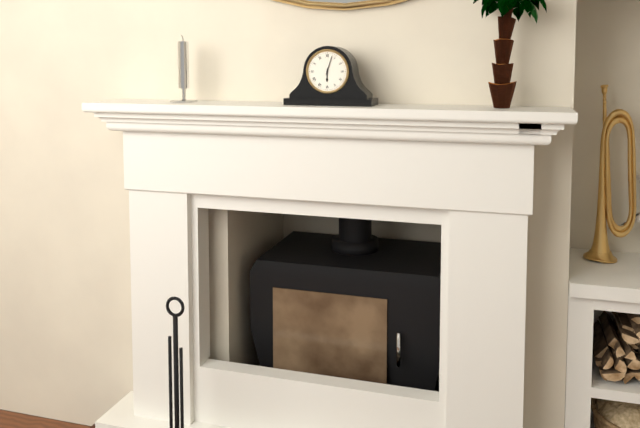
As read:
6 h 03 min
